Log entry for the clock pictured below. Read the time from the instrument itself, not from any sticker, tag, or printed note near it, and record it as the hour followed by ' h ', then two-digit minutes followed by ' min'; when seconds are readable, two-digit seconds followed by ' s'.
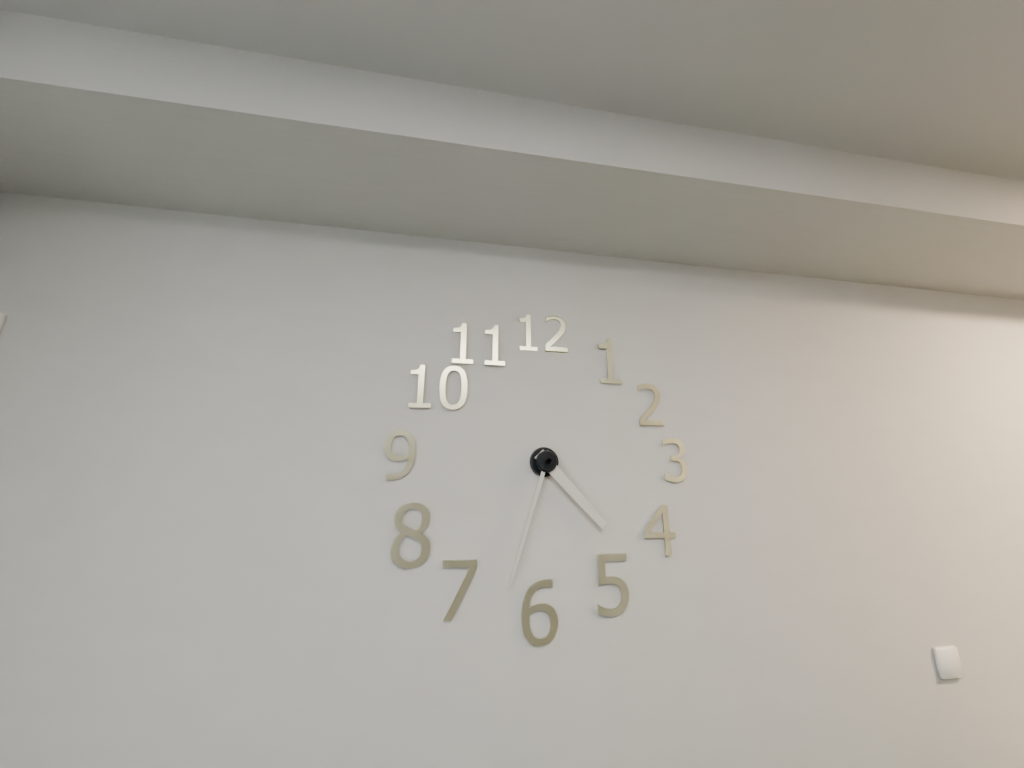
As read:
4 h 33 min
